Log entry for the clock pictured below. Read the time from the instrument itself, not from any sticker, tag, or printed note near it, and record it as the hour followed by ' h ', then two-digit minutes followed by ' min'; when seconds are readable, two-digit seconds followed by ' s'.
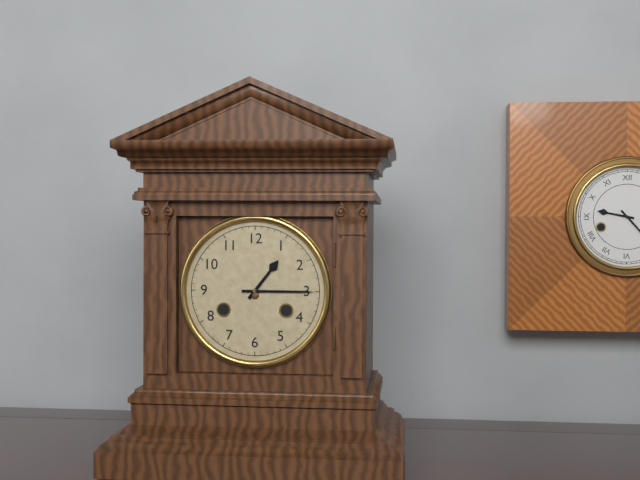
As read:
1 h 15 min
